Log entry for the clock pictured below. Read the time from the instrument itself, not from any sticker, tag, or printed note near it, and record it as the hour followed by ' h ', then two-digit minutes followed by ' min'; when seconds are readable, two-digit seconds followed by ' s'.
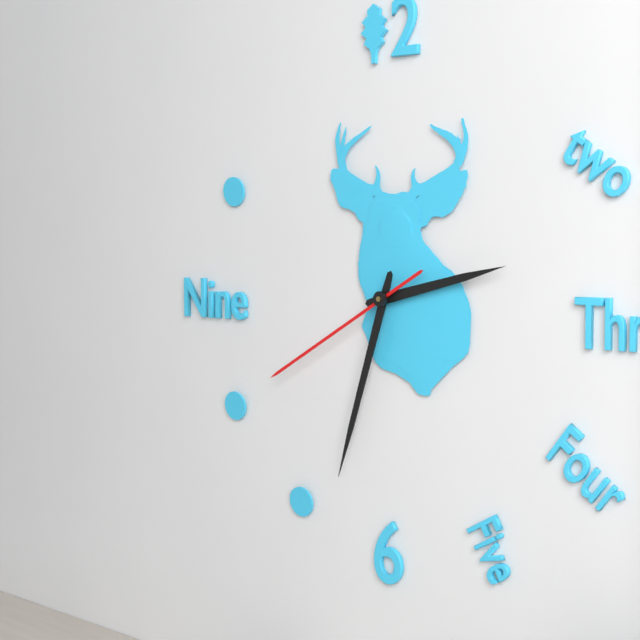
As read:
2 h 33 min 40 s
